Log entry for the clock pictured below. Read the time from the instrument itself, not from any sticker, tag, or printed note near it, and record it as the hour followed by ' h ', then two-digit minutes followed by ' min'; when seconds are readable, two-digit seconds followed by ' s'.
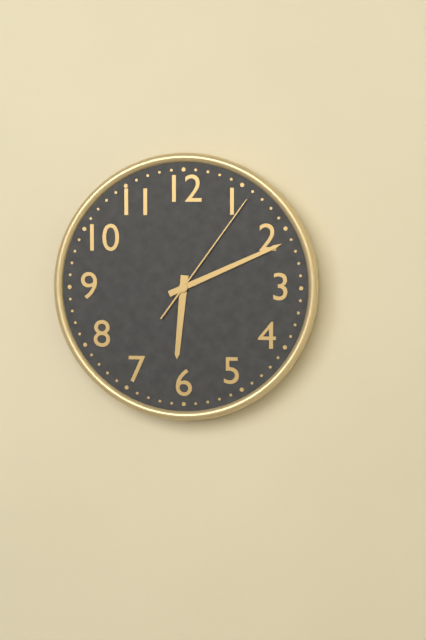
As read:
6 h 11 min 06 s
